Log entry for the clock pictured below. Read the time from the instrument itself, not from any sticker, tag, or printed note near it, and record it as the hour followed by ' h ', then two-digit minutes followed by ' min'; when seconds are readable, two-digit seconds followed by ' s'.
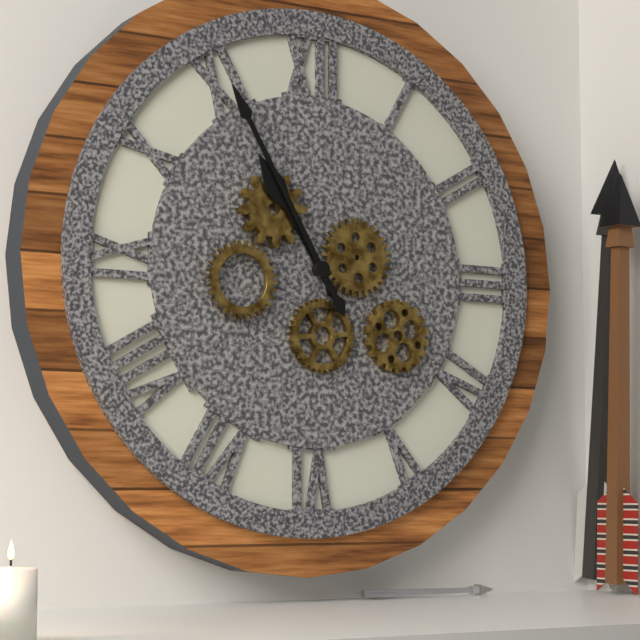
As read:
10 h 55 min
